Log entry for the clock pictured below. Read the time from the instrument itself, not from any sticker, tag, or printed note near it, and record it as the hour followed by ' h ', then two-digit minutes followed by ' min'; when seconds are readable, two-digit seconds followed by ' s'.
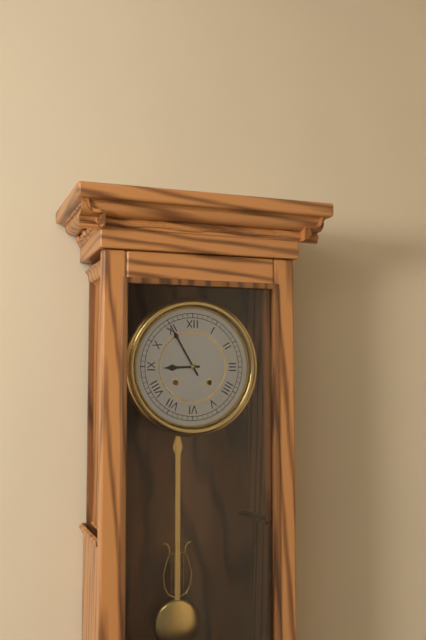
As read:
8 h 55 min
